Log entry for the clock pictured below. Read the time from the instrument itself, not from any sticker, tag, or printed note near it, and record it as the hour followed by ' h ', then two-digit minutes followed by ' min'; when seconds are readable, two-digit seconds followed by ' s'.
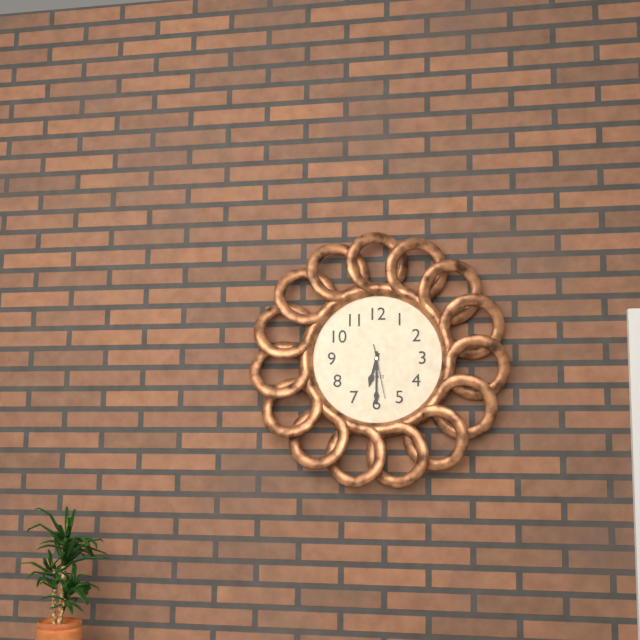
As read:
6 h 30 min
